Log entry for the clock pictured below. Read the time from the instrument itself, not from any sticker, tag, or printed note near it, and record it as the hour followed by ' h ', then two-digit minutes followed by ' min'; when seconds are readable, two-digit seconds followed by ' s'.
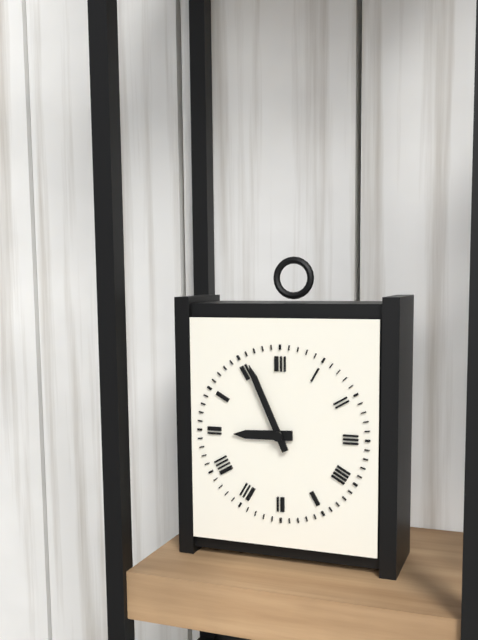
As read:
8 h 56 min
